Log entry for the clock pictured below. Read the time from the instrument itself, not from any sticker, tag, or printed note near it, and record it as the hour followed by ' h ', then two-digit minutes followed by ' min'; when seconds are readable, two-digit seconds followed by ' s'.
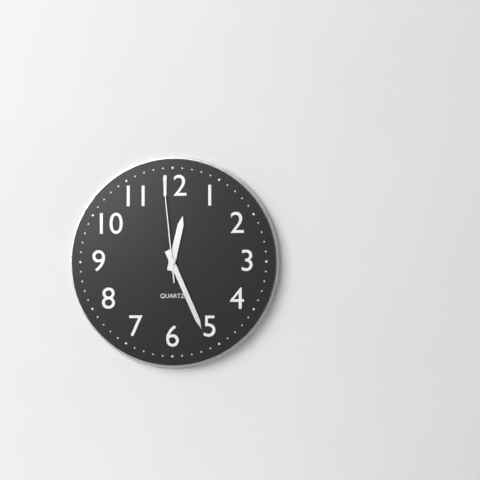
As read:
12 h 26 min 59 s
